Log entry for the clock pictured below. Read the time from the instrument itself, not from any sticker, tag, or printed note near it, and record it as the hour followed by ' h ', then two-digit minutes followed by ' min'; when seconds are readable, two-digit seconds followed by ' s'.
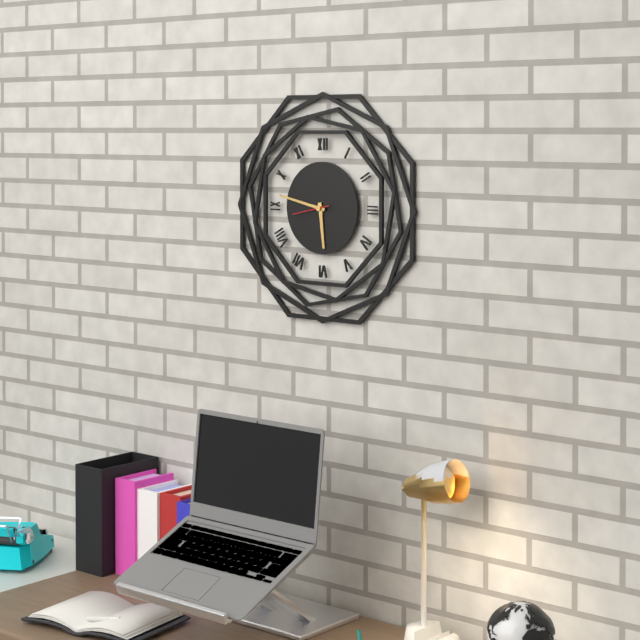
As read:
5 h 47 min
